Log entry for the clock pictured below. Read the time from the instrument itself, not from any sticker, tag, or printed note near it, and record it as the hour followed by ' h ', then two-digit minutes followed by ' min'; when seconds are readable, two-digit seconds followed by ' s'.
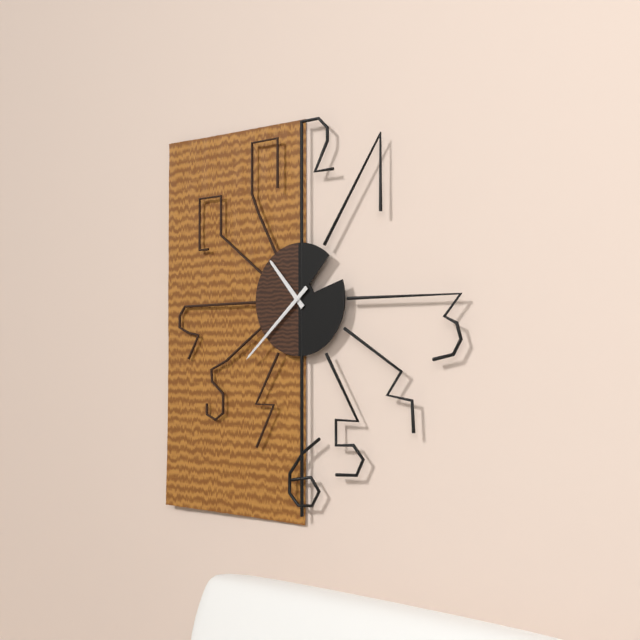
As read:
10 h 38 min
